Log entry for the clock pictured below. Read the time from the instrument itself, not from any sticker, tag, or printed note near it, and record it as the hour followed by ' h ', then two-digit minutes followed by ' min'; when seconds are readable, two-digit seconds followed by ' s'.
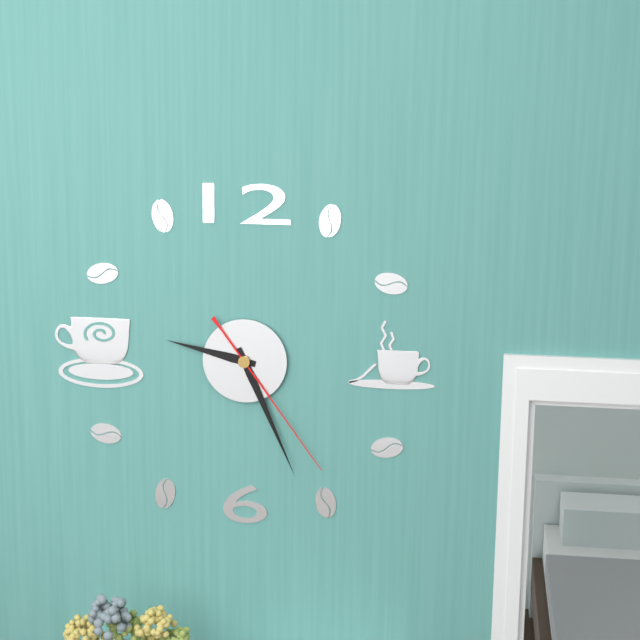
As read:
9 h 26 min 24 s
